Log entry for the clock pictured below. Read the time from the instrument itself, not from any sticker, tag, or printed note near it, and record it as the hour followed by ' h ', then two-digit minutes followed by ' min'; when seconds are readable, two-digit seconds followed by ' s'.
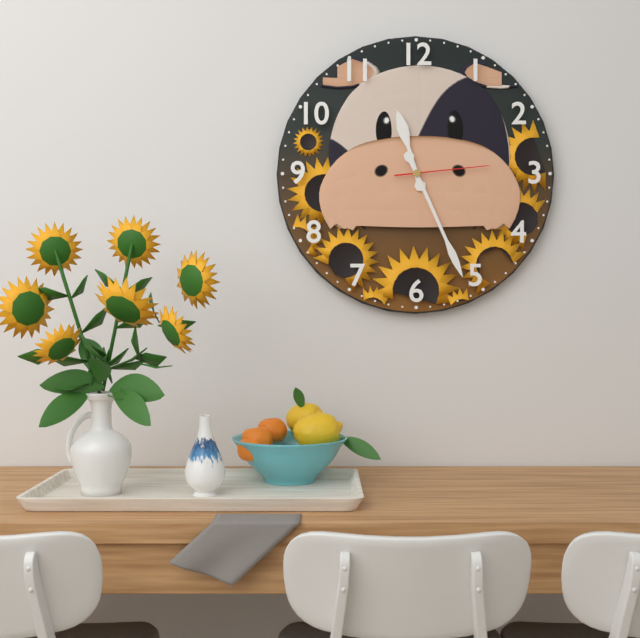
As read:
11 h 26 min 14 s
